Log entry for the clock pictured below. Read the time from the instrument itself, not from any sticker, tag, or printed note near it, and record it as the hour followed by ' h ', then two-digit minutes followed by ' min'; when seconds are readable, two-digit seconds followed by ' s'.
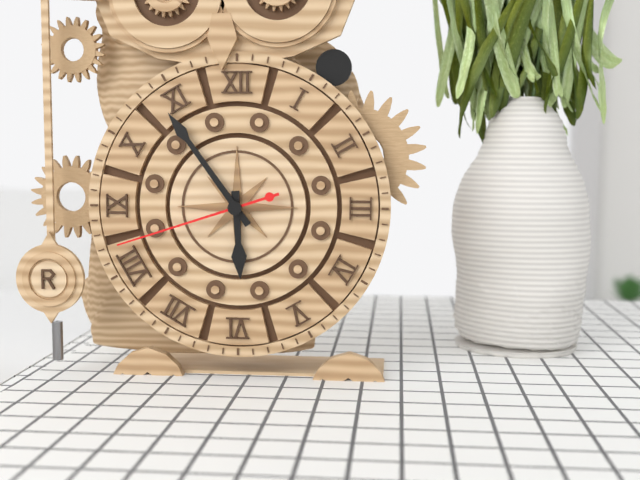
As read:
5 h 54 min 42 s
